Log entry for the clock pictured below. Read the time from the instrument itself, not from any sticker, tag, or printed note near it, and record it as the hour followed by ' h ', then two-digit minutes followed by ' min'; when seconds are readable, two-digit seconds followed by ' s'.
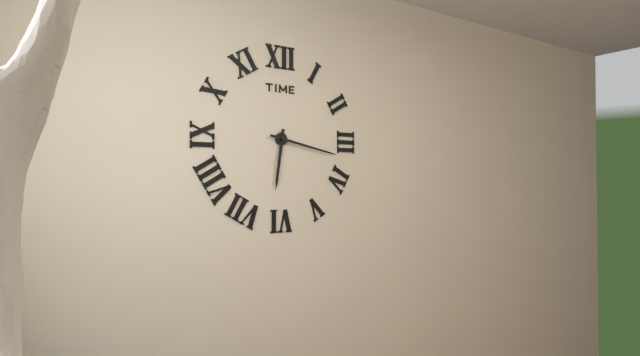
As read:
6 h 17 min
